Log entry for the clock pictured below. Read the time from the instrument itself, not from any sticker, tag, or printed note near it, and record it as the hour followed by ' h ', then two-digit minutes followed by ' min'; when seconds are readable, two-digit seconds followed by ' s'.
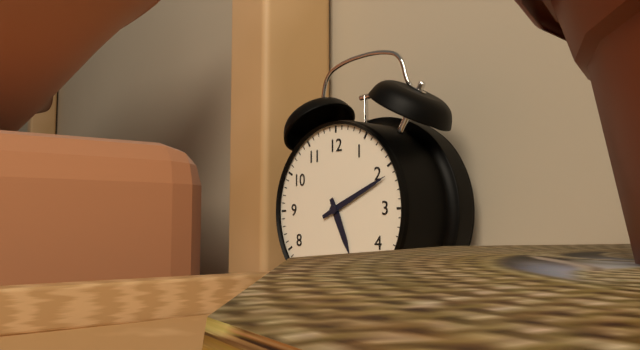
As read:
5 h 11 min
